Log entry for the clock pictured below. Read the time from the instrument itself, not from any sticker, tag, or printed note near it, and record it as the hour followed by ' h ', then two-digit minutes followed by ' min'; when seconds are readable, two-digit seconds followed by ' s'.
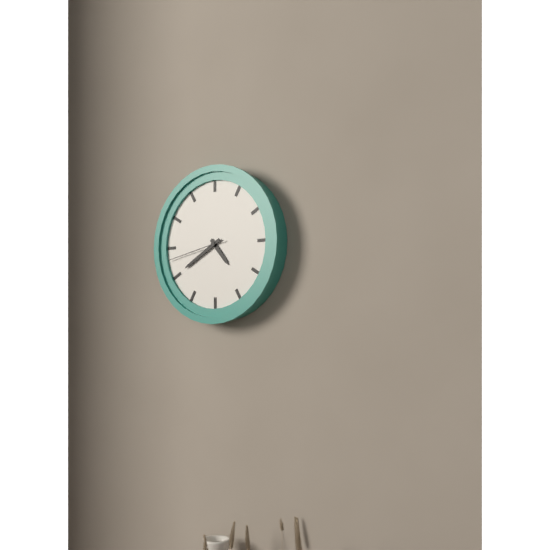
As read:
4 h 40 min 43 s
